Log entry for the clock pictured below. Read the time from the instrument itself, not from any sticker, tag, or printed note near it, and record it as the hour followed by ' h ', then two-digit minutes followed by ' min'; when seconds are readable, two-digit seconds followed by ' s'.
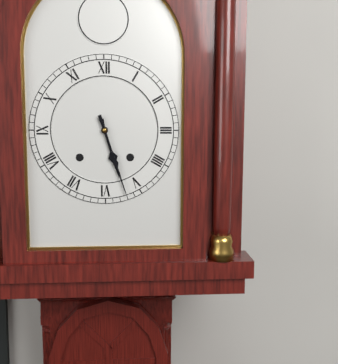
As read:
5 h 27 min
